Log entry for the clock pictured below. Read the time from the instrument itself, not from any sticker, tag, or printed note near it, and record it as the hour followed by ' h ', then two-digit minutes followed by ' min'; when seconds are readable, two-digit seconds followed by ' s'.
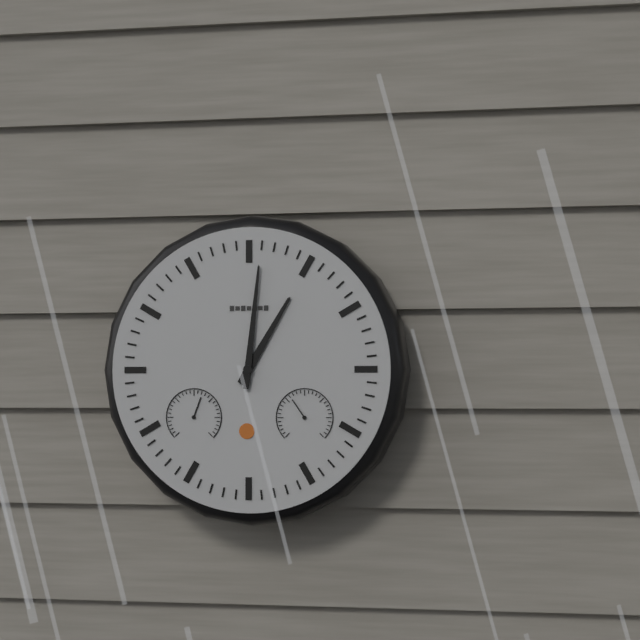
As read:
1 h 01 min
